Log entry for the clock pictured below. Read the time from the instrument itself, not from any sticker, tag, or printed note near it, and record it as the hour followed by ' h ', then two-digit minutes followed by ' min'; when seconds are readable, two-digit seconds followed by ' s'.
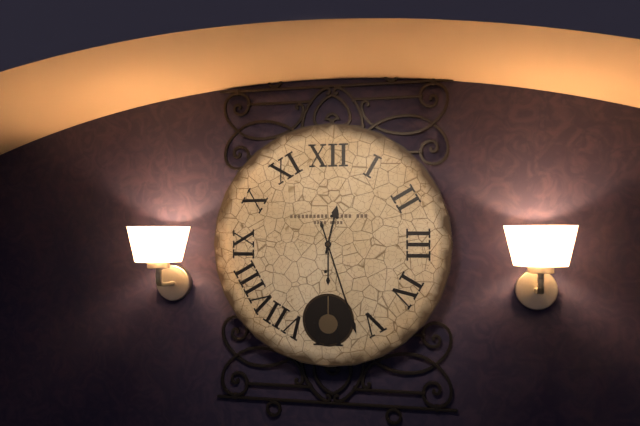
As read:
12 h 27 min
